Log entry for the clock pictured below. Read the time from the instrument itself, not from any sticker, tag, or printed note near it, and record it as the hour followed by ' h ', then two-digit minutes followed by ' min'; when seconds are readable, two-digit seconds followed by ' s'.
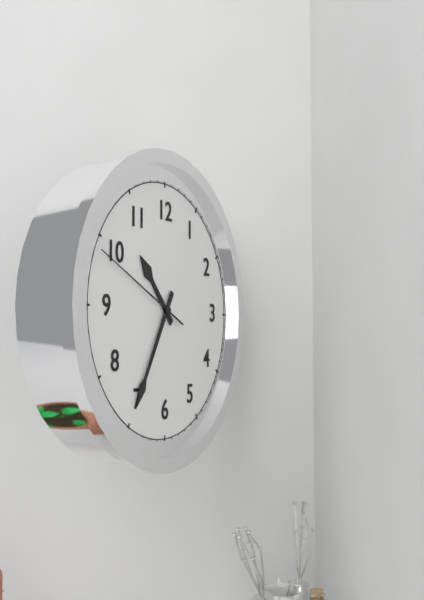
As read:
10 h 35 min 49 s
